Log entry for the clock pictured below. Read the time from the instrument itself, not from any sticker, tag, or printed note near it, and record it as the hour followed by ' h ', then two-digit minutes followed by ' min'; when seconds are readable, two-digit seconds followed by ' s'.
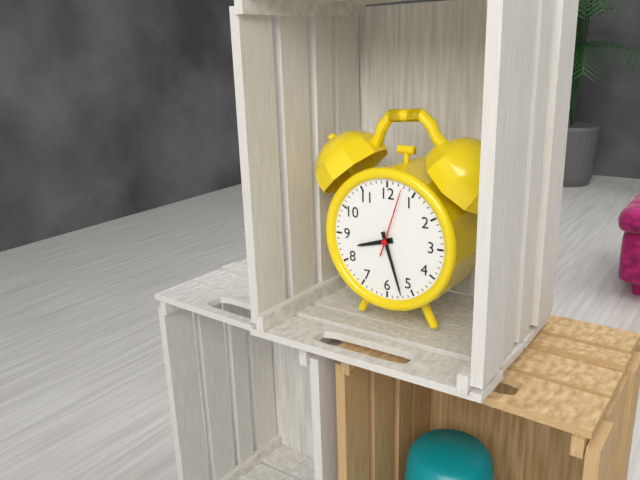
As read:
8 h 27 min 03 s
